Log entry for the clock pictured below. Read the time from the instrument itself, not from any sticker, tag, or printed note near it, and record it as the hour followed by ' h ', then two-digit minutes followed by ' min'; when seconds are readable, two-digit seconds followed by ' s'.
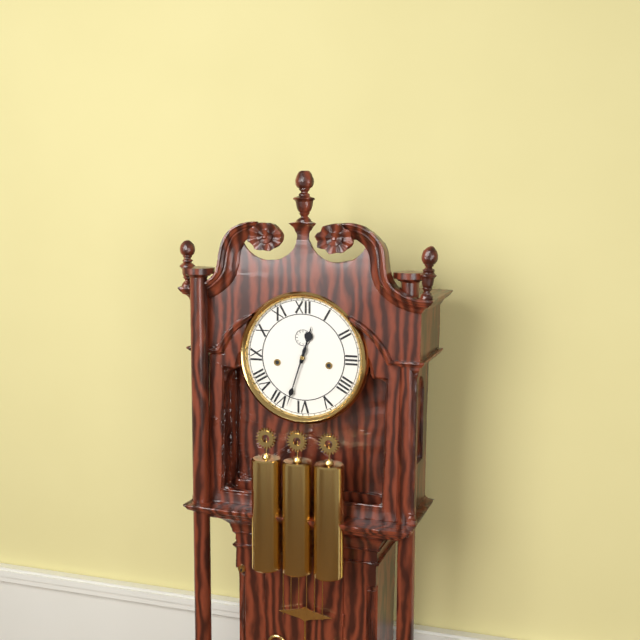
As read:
12 h 33 min
